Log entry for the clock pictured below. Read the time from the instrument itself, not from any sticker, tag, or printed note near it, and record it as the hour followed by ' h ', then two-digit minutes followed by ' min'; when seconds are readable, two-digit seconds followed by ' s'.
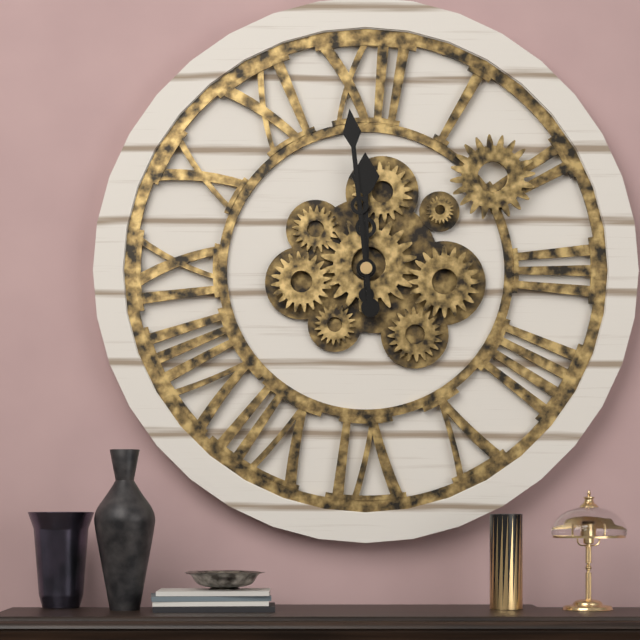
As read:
11 h 59 min
